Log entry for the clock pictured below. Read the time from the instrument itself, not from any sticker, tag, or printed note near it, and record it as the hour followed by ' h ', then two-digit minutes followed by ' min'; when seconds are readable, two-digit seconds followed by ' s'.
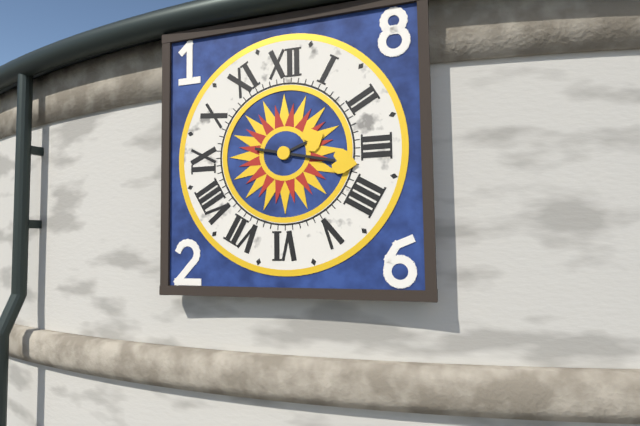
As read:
2 h 17 min
